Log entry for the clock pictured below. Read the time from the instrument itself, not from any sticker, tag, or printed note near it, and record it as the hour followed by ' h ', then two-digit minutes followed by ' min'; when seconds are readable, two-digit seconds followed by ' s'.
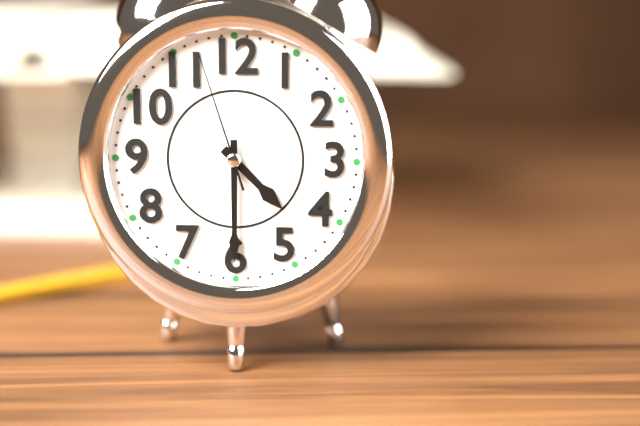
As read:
4 h 30 min 57 s
